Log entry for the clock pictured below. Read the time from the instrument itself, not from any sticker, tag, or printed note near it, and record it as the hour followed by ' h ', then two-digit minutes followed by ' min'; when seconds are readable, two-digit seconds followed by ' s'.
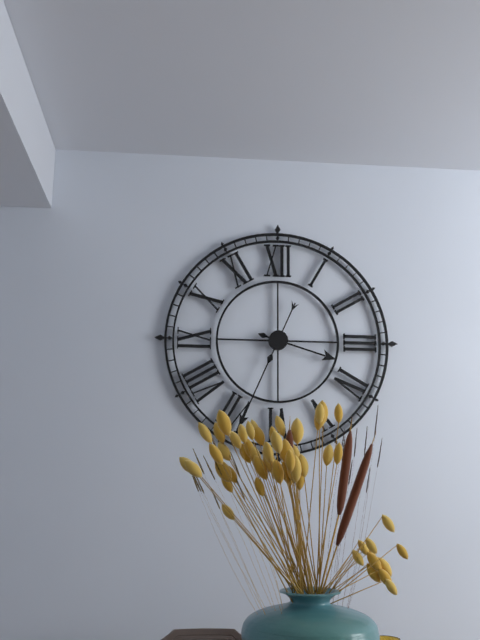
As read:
3 h 34 min
